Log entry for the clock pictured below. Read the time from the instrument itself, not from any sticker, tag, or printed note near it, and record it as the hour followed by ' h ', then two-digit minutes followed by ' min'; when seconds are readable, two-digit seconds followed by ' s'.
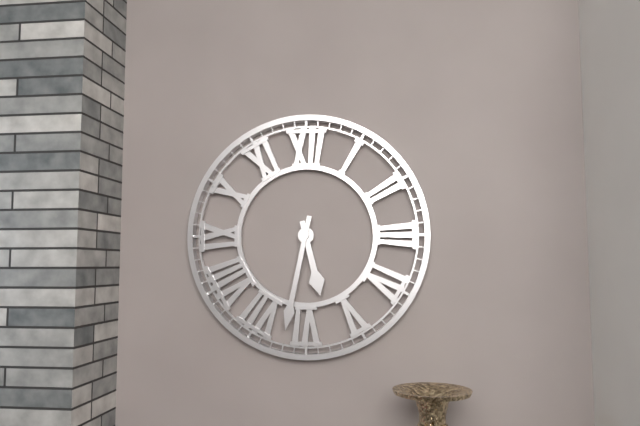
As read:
5 h 32 min
